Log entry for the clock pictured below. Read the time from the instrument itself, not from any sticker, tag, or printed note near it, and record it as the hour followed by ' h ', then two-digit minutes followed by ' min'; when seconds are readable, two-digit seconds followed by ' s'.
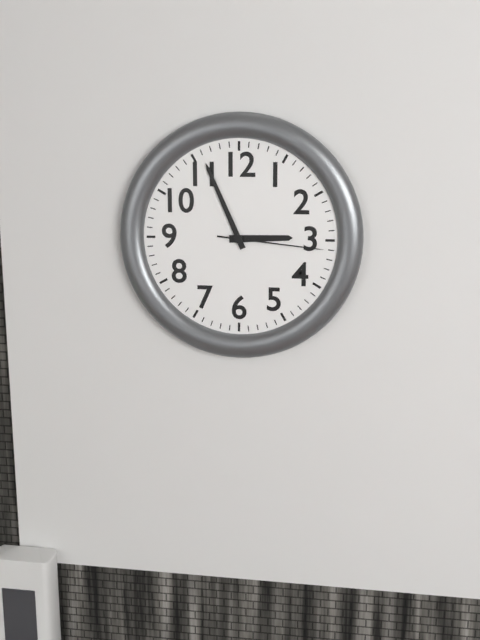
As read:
2 h 56 min 16 s
